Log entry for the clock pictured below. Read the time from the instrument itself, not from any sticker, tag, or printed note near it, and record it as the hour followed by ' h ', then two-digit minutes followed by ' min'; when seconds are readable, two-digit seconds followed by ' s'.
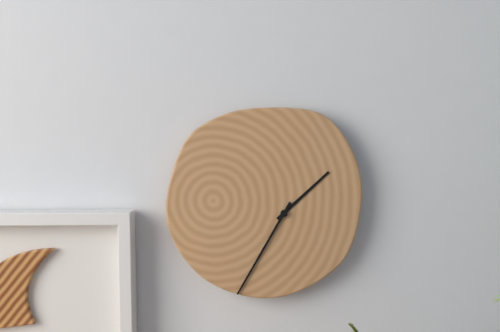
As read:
1 h 35 min
